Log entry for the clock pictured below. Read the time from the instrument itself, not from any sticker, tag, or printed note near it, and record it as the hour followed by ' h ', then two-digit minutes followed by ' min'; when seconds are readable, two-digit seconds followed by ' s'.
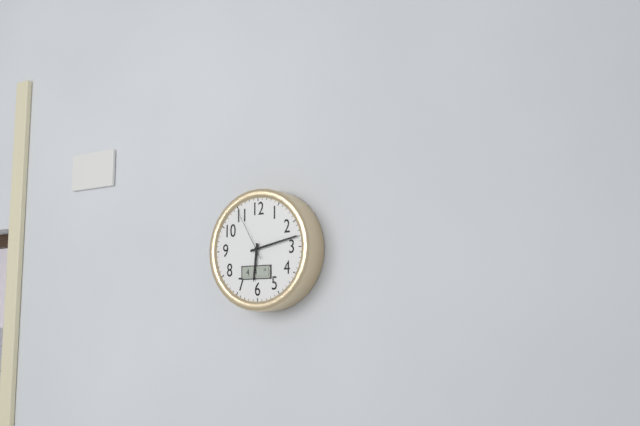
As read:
6 h 13 min 55 s
